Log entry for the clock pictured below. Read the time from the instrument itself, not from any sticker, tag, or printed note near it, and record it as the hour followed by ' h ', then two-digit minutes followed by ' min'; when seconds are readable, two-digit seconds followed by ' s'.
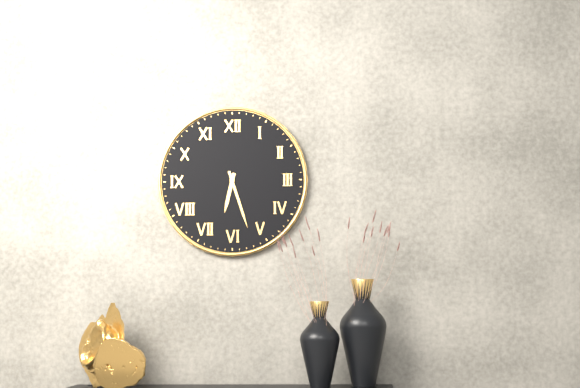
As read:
6 h 27 min
